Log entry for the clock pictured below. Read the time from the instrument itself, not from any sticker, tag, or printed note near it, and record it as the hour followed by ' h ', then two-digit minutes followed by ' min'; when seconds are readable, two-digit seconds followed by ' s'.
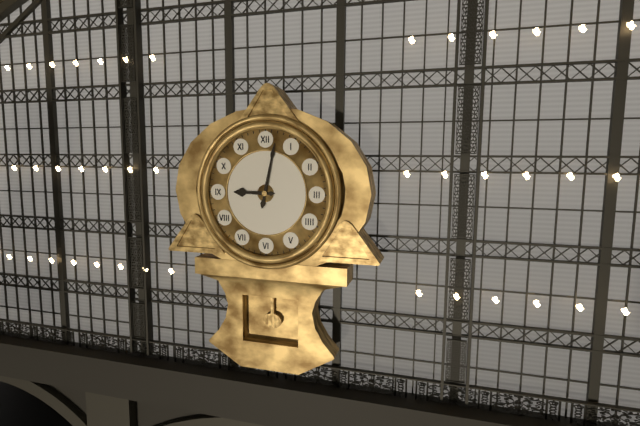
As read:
9 h 02 min
